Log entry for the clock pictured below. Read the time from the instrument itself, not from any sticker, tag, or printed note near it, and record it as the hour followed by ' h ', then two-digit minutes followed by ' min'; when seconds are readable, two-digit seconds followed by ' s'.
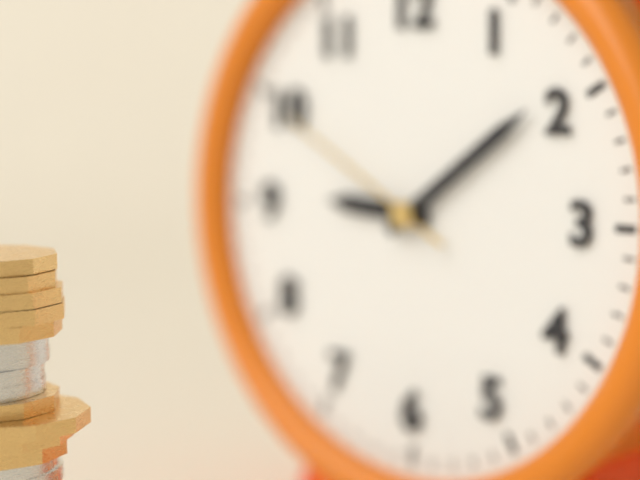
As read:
9 h 09 min 50 s
